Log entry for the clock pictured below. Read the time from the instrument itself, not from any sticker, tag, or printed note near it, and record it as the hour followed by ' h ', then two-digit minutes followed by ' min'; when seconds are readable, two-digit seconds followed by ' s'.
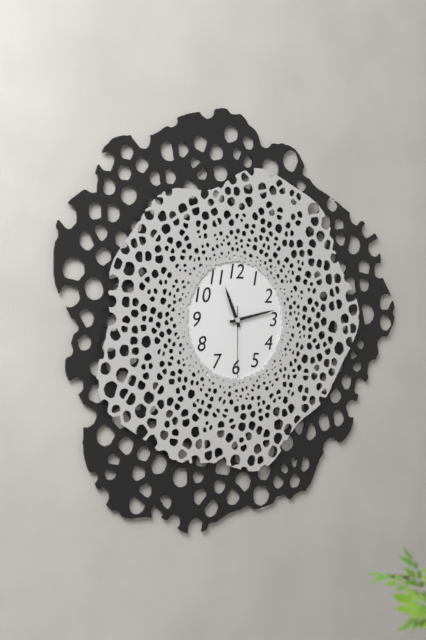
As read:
11 h 13 min 30 s
